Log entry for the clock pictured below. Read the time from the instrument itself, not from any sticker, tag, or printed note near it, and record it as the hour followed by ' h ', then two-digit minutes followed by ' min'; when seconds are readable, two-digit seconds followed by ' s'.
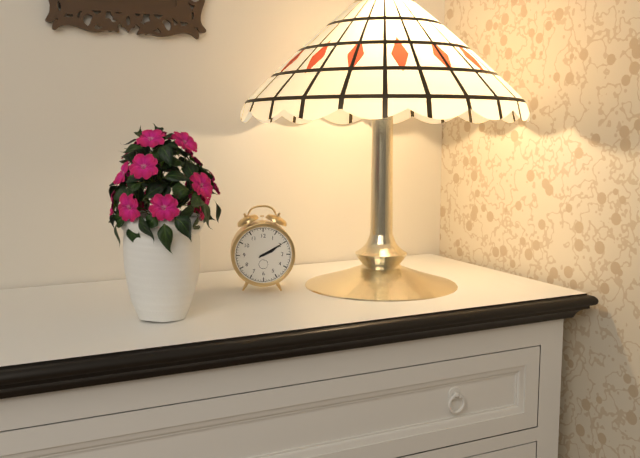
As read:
2 h 10 min
